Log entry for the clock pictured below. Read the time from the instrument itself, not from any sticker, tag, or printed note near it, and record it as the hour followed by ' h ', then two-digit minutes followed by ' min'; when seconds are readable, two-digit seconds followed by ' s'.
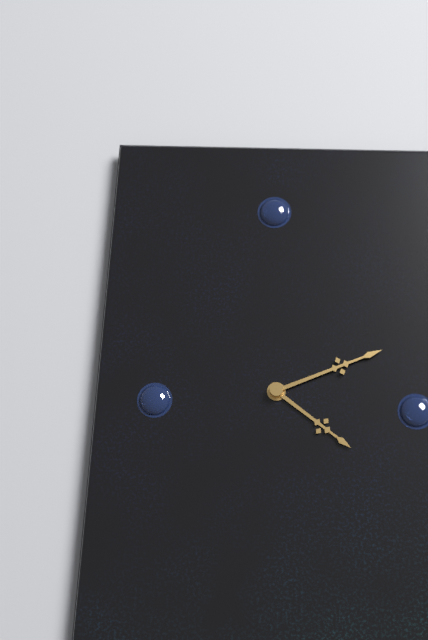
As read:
4 h 11 min
